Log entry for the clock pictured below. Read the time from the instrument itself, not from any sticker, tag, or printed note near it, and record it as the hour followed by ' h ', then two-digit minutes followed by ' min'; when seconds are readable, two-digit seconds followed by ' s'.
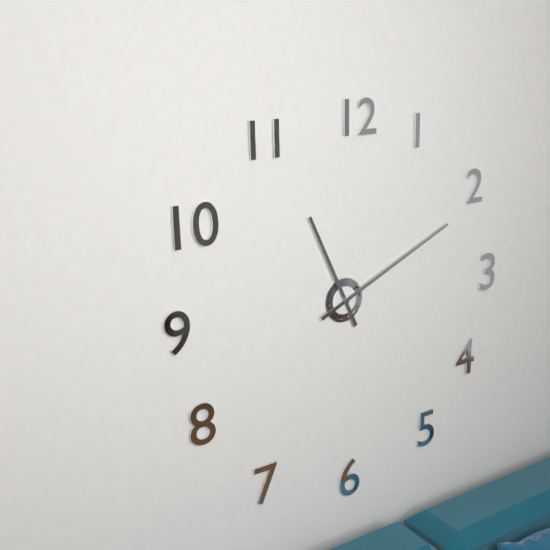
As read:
11 h 11 min
